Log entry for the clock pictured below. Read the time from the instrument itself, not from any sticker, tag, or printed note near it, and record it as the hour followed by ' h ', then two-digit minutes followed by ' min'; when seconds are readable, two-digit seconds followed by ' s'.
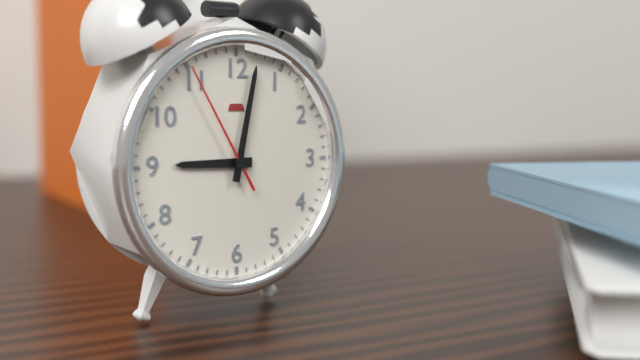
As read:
9 h 02 min 55 s
